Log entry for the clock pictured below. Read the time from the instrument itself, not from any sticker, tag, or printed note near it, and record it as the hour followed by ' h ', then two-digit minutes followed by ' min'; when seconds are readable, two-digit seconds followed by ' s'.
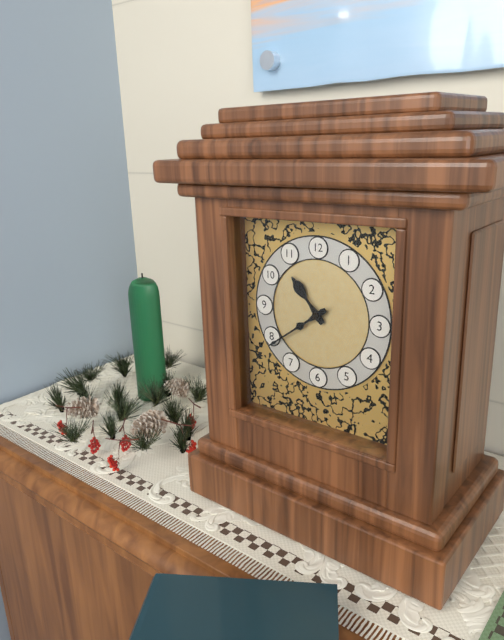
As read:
10 h 39 min
